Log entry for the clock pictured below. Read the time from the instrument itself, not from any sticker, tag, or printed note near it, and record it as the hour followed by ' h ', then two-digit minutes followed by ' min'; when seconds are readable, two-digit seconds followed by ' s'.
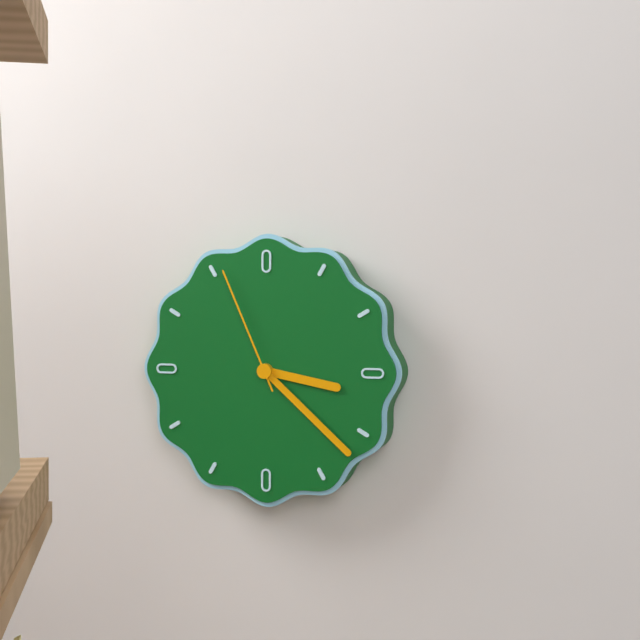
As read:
3 h 22 min 56 s
